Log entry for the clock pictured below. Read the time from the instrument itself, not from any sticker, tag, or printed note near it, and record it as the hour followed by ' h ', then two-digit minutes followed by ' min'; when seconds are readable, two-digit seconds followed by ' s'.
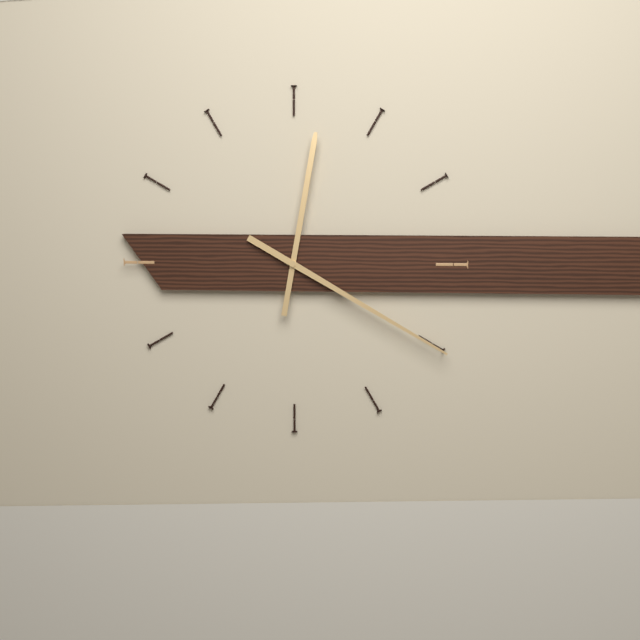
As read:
12 h 20 min
